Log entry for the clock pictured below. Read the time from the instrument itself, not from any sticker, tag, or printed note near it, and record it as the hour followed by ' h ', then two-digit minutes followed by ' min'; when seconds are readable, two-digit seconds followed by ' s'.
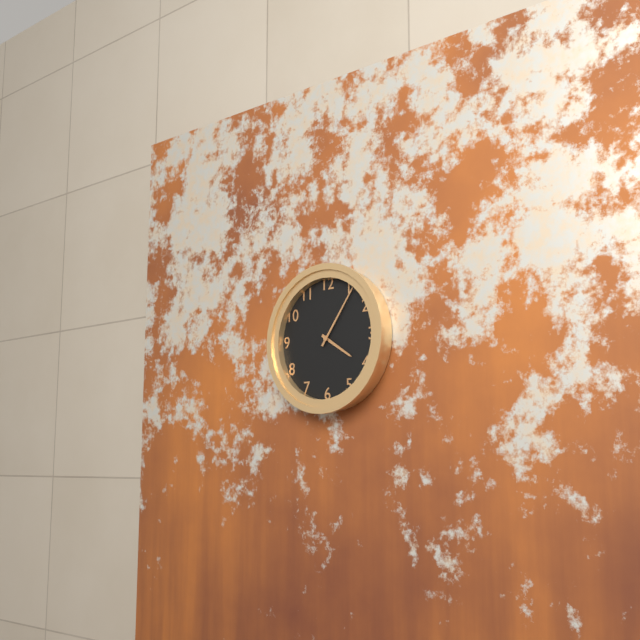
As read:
4 h 06 min
